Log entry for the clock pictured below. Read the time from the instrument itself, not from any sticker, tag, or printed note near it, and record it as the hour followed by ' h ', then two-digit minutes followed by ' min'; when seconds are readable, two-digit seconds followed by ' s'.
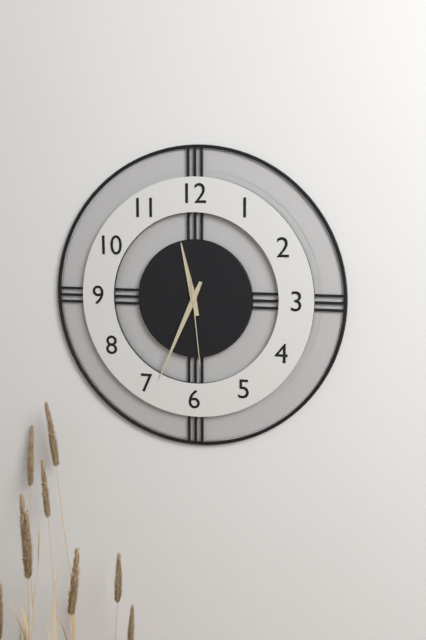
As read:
11 h 34 min 29 s
